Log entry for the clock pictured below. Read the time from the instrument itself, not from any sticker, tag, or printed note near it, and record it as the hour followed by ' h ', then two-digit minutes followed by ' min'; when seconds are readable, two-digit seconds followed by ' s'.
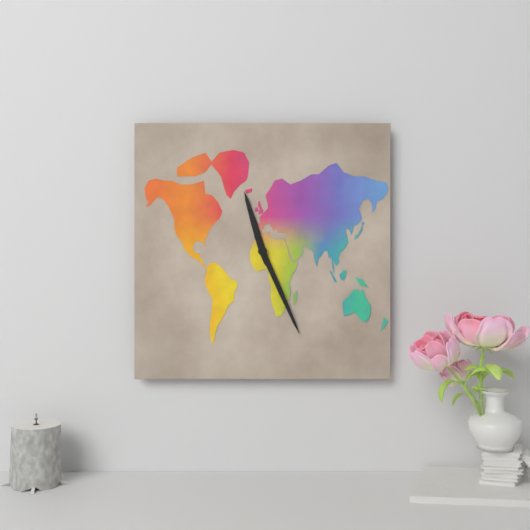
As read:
11 h 26 min
